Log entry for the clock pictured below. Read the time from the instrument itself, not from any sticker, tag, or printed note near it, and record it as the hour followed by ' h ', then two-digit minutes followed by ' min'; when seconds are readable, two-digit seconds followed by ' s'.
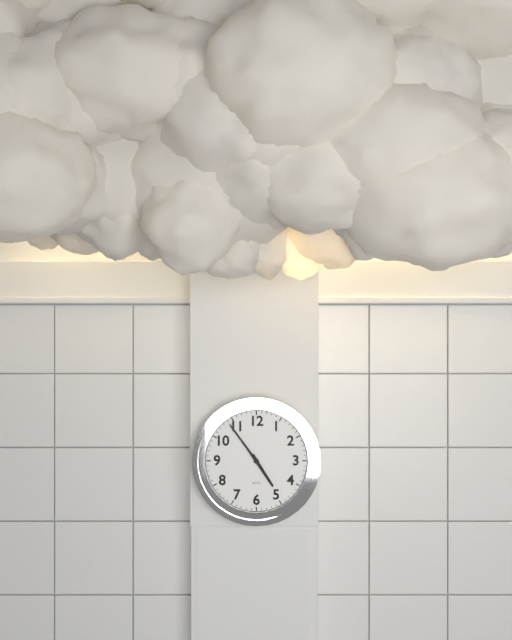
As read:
4 h 54 min
